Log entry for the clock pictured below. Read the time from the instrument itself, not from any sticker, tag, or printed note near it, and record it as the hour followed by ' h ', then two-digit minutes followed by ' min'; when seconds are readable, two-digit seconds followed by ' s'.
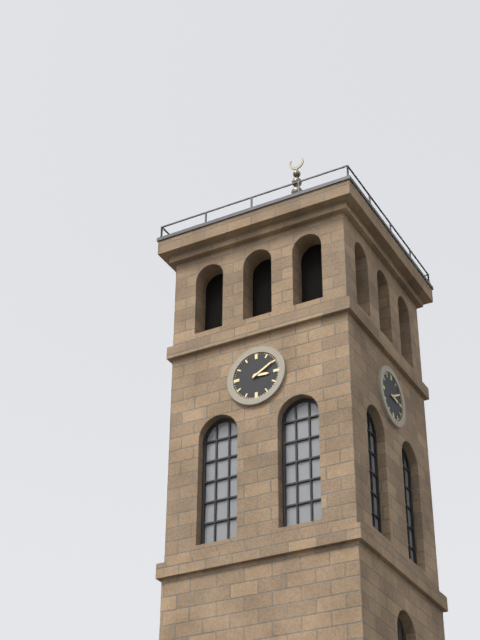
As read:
3 h 10 min
